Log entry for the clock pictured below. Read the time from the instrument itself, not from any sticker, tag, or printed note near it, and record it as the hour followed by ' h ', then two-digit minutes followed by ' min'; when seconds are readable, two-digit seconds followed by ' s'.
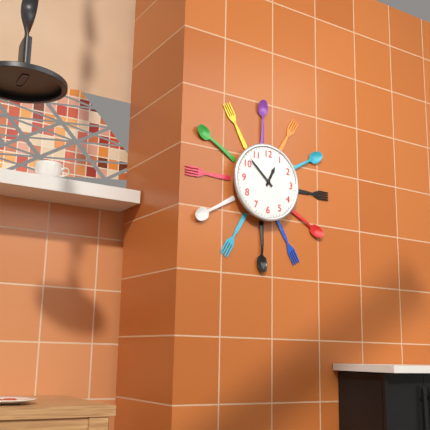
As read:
12 h 52 min
